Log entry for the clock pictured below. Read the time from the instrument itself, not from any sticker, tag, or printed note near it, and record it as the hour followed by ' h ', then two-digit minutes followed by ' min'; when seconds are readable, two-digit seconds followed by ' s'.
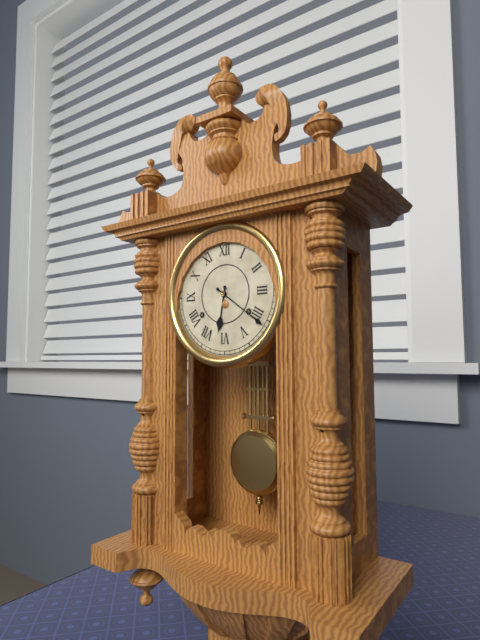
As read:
6 h 21 min
